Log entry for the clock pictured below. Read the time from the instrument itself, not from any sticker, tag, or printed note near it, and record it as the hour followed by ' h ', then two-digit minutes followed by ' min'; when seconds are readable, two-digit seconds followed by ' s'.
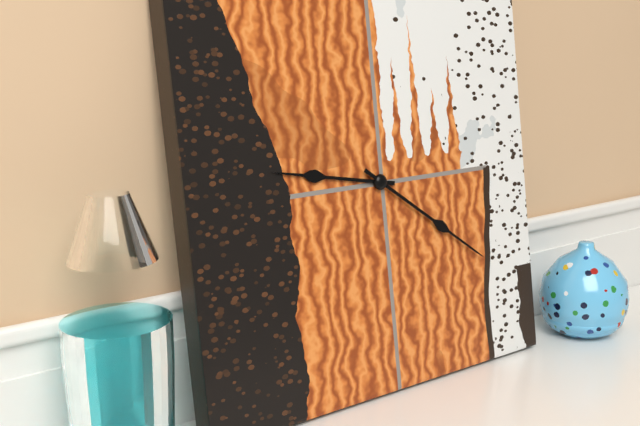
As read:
9 h 21 min
